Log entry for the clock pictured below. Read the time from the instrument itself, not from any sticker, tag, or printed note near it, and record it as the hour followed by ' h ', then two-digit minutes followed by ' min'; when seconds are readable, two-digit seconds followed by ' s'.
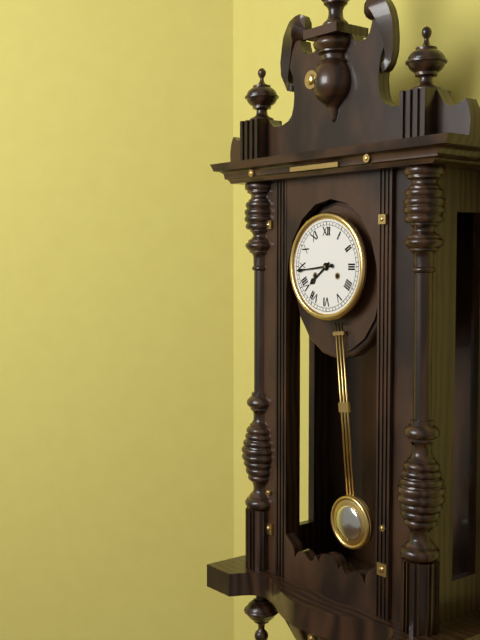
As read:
7 h 44 min
